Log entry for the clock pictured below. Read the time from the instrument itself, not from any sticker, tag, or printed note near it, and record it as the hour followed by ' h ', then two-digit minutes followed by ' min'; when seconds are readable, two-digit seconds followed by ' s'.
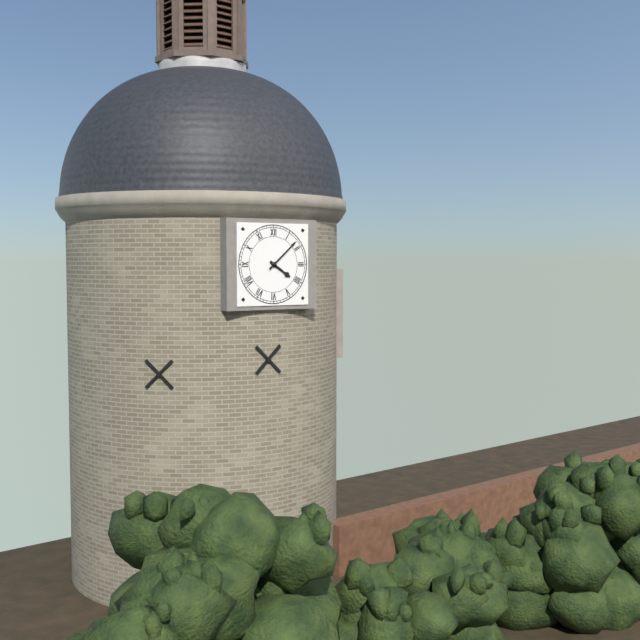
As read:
4 h 08 min
